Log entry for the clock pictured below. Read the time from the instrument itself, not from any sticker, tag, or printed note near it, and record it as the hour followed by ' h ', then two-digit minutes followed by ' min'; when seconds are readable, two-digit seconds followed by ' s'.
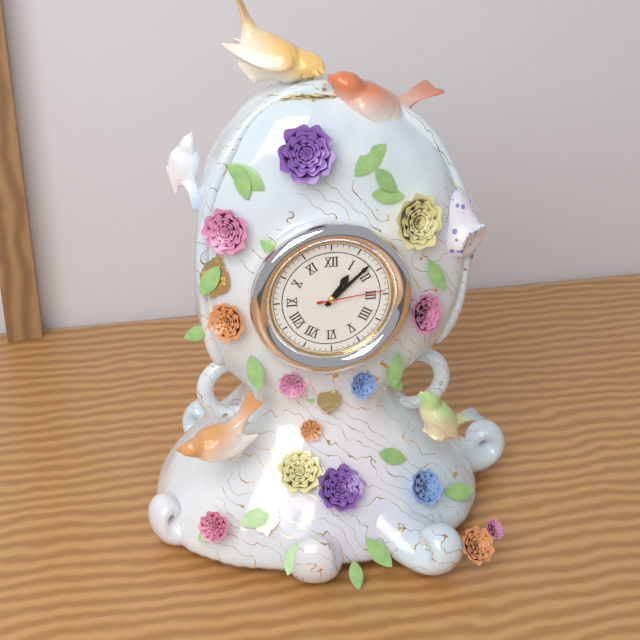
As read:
1 h 08 min 14 s
